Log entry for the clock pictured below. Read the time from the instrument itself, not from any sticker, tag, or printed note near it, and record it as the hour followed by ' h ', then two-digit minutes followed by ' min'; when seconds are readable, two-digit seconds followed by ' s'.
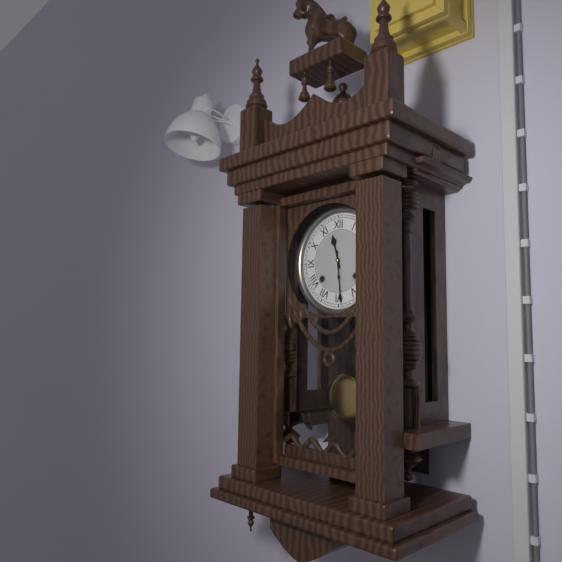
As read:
11 h 29 min
